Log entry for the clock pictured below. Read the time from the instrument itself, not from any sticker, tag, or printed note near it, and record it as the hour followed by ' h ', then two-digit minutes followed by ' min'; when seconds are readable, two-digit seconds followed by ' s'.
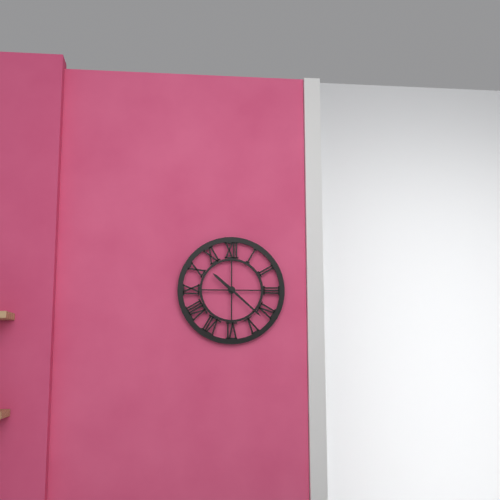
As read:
10 h 22 min
